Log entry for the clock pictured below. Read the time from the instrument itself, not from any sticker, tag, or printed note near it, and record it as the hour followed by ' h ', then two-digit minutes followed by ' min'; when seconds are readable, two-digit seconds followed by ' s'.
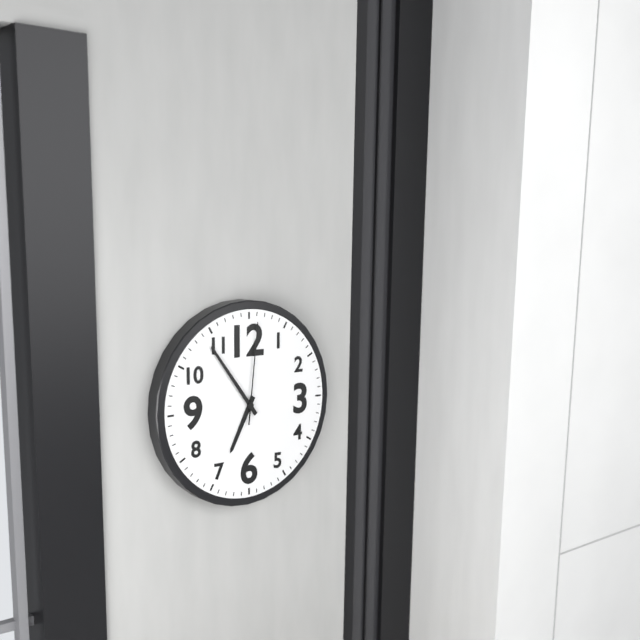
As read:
6 h 54 min 01 s
